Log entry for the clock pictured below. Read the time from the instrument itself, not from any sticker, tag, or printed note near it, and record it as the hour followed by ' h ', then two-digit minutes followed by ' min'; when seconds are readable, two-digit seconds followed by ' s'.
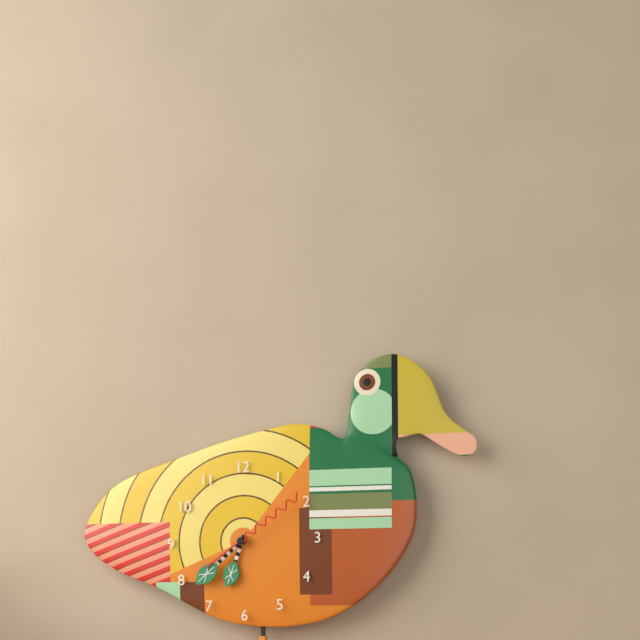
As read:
6 h 38 min 09 s
